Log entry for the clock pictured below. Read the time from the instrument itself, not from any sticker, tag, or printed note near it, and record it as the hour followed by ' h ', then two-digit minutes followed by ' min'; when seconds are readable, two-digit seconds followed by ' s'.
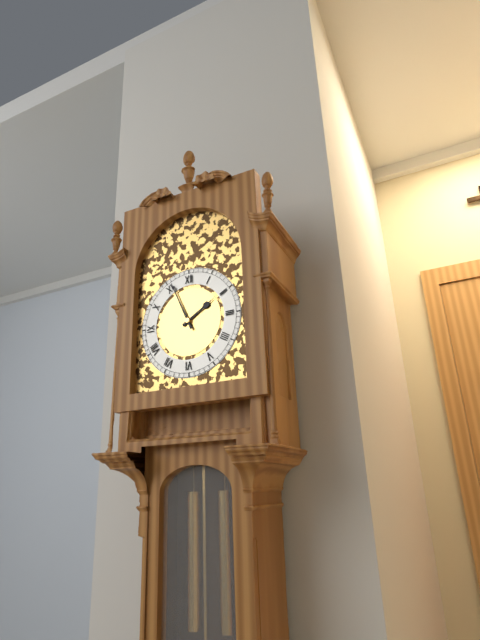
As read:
1 h 56 min
